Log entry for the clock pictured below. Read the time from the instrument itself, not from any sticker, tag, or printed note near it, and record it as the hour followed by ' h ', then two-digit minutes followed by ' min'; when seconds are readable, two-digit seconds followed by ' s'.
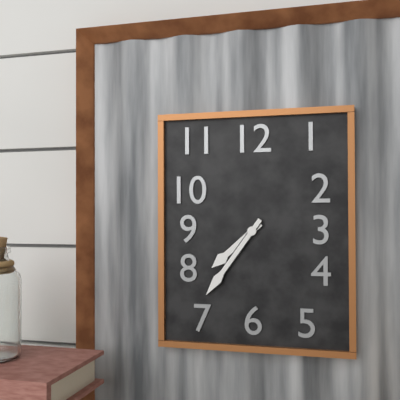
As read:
7 h 36 min
